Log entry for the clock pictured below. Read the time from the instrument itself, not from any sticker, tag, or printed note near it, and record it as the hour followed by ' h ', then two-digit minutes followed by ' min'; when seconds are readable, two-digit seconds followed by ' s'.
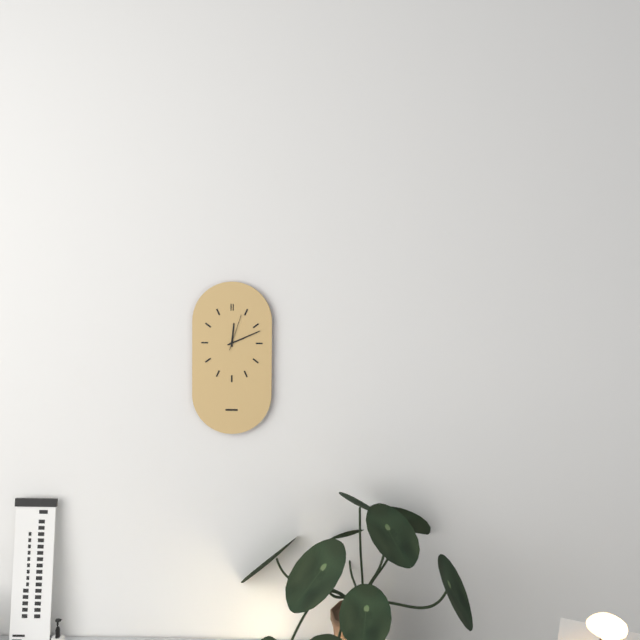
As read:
12 h 11 min
